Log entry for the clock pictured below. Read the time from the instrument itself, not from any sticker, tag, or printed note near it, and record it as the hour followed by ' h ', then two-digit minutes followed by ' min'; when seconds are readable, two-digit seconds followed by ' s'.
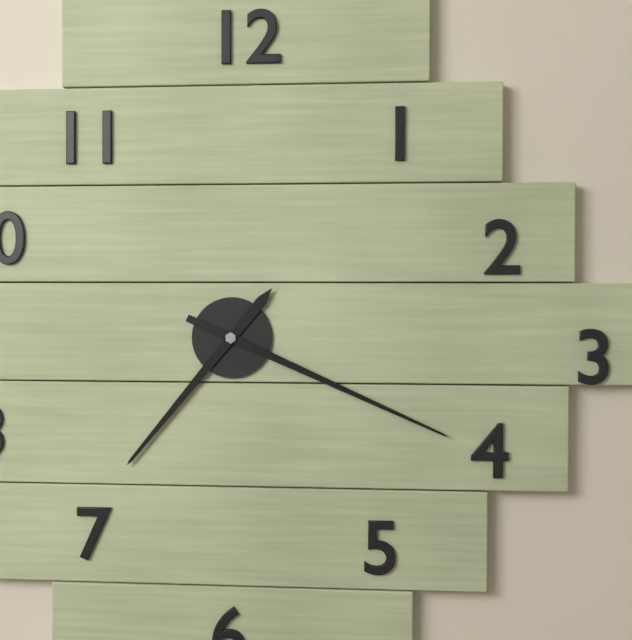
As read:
7 h 19 min
